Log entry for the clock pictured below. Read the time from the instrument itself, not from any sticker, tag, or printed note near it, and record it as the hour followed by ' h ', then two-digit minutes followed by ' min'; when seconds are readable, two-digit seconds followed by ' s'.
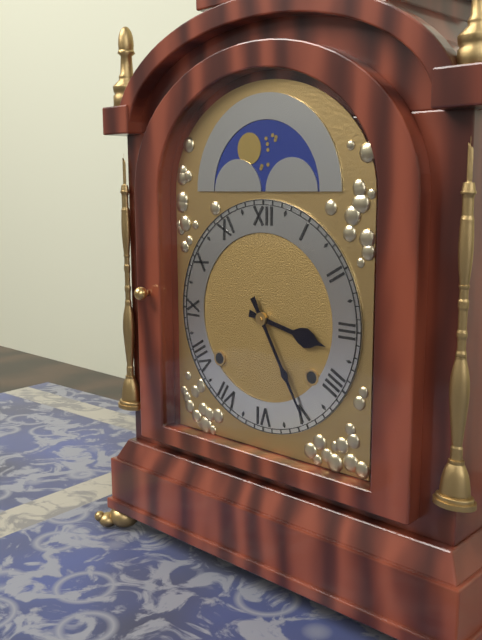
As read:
3 h 25 min
